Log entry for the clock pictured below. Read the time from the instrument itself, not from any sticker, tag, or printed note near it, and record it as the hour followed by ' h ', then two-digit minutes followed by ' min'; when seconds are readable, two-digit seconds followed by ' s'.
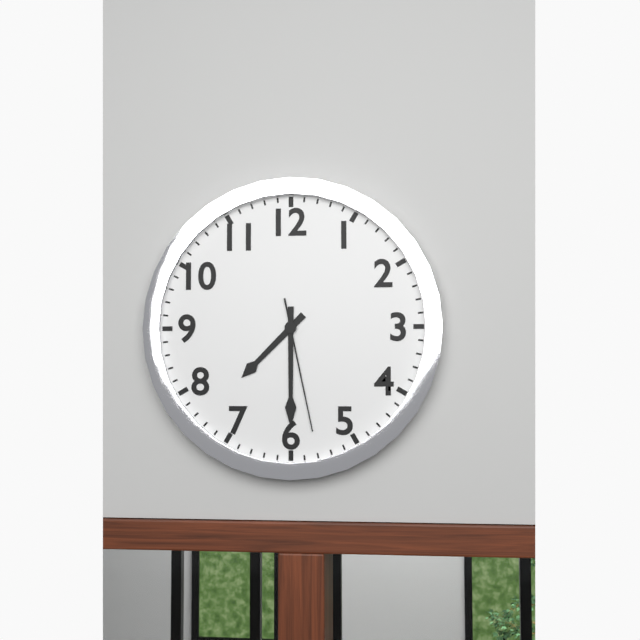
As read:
7 h 30 min 28 s
